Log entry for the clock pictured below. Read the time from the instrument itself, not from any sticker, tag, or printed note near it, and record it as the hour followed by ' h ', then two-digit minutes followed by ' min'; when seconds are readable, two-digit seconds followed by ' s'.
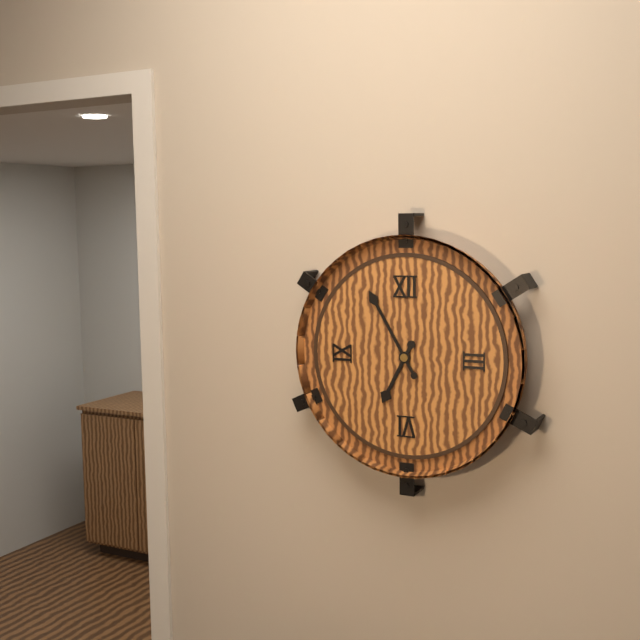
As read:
6 h 55 min
